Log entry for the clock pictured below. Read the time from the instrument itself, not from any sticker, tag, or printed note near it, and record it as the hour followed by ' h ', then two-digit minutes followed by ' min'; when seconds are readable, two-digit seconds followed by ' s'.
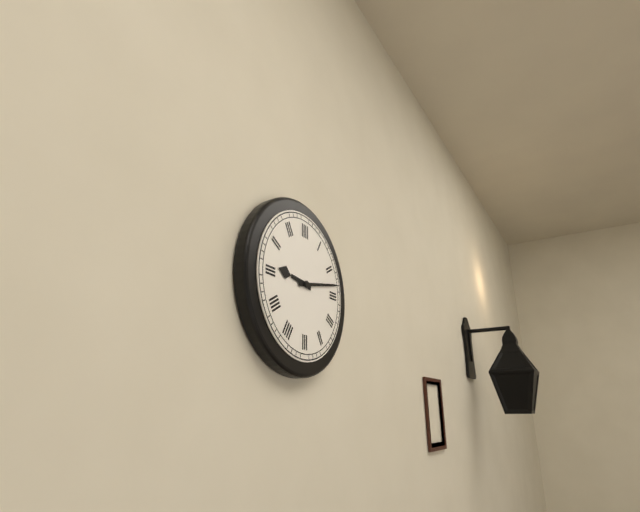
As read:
9 h 13 min
